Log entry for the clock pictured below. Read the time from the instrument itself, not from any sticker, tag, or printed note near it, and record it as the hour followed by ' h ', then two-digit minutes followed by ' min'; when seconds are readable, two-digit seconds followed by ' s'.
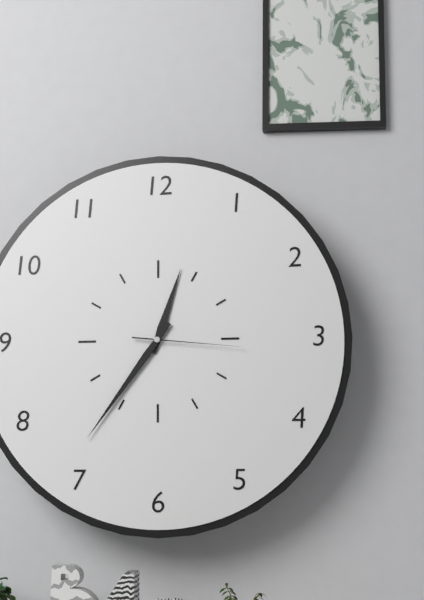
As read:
12 h 36 min 16 s
